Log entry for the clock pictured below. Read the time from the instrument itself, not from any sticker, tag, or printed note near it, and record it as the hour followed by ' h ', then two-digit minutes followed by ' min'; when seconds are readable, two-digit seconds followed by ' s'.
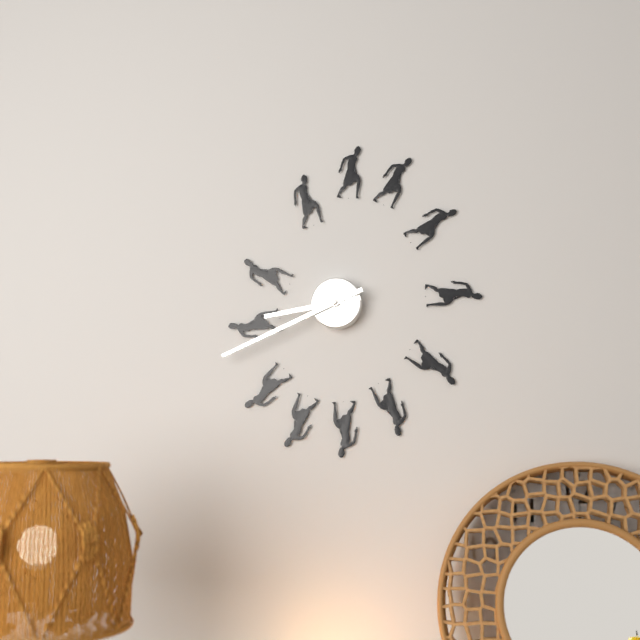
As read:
8 h 41 min
